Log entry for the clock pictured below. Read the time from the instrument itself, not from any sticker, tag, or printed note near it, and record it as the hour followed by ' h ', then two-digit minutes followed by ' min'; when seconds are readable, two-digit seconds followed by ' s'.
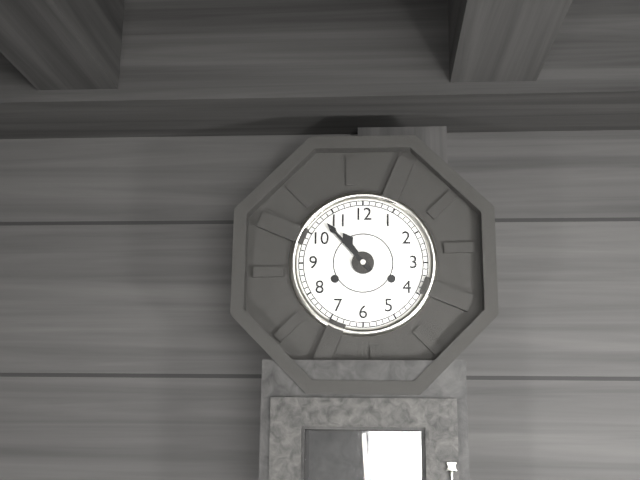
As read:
10 h 53 min
